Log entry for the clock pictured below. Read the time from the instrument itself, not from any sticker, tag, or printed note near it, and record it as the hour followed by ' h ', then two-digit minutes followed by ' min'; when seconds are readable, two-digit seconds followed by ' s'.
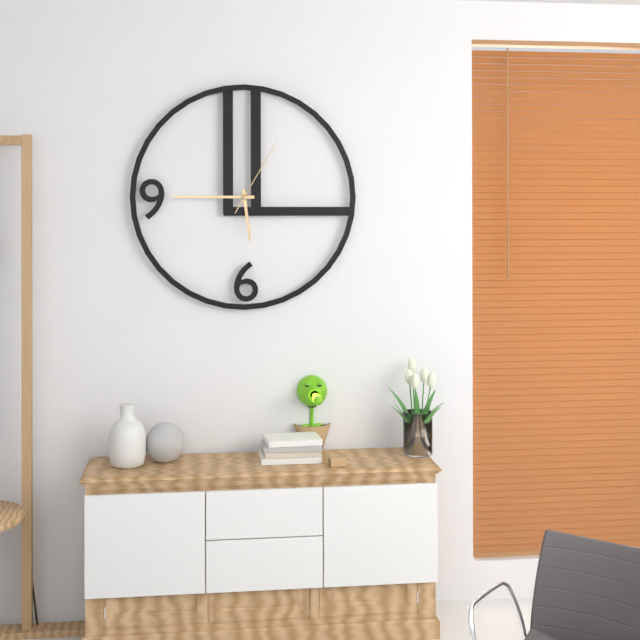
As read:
5 h 45 min 05 s
